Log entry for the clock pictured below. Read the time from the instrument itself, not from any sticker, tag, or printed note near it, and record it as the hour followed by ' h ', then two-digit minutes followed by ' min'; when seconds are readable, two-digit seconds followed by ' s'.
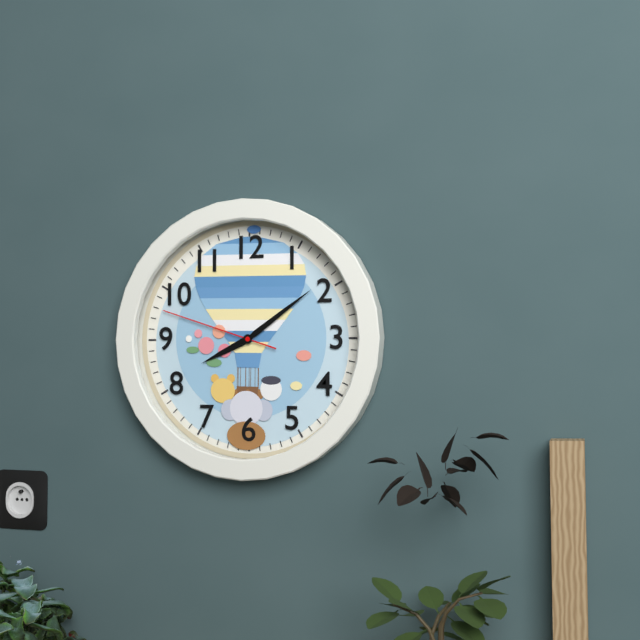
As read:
8 h 09 min 48 s
